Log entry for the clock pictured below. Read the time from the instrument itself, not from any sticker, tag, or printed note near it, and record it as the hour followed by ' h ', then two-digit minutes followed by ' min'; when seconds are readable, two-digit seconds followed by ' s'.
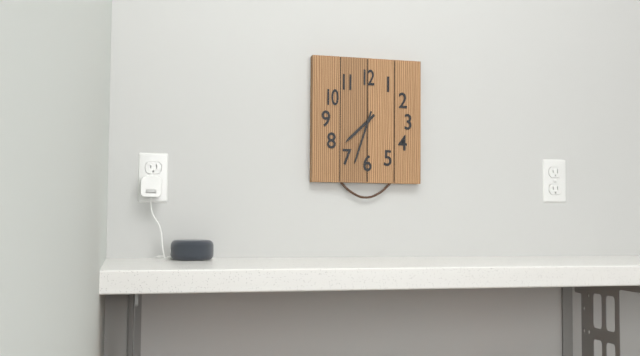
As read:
7 h 33 min
